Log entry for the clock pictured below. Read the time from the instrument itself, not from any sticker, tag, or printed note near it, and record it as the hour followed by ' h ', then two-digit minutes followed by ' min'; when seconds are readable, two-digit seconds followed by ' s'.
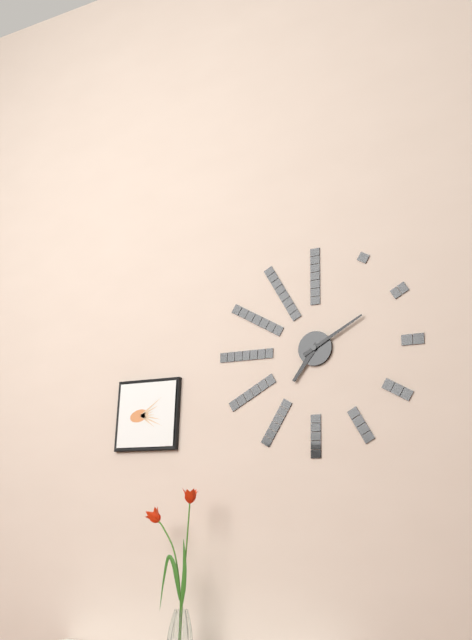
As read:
7 h 10 min
